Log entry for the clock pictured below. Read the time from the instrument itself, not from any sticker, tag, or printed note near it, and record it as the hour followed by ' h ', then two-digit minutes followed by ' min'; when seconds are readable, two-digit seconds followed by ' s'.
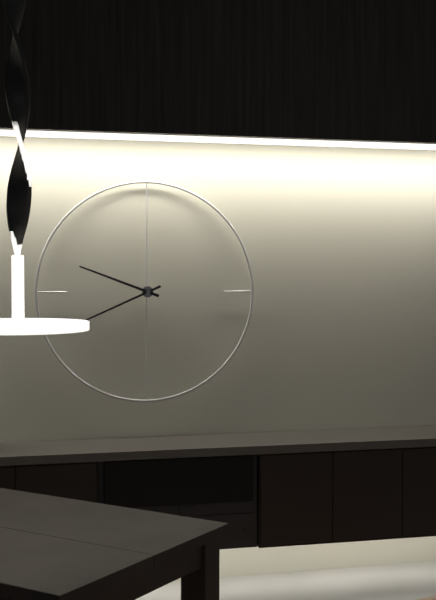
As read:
9 h 41 min
